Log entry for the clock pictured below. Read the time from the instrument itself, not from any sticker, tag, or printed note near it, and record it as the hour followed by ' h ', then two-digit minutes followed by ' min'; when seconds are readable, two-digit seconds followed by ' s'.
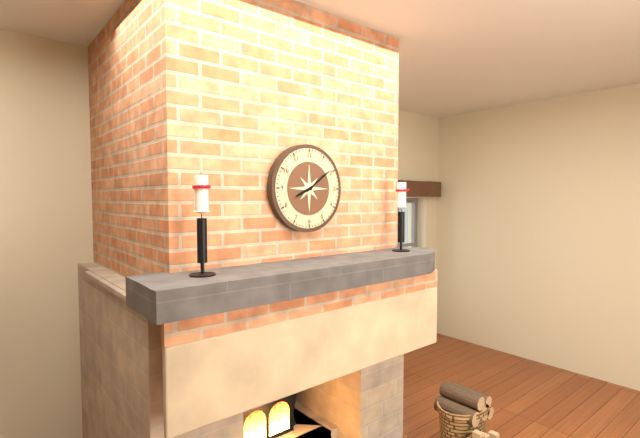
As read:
8 h 09 min
